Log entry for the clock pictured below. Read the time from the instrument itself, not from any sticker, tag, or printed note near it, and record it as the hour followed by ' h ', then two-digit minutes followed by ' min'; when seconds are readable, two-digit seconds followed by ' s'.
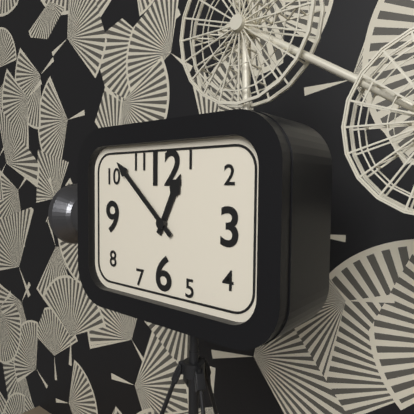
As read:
12 h 52 min
